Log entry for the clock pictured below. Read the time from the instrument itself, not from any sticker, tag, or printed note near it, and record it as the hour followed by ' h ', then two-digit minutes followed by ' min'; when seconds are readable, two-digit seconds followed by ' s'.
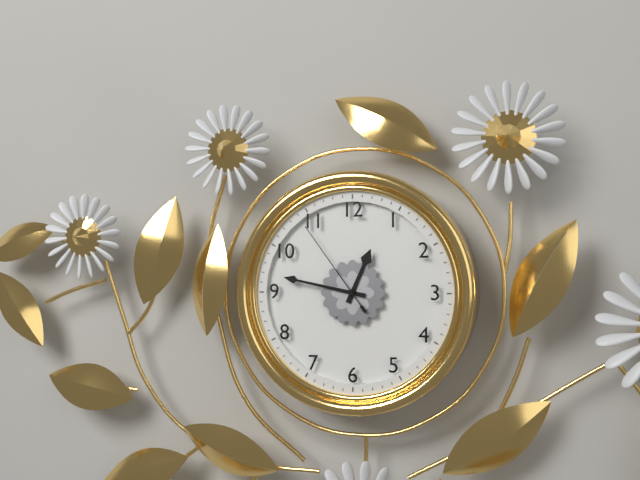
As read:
12 h 47 min 54 s
